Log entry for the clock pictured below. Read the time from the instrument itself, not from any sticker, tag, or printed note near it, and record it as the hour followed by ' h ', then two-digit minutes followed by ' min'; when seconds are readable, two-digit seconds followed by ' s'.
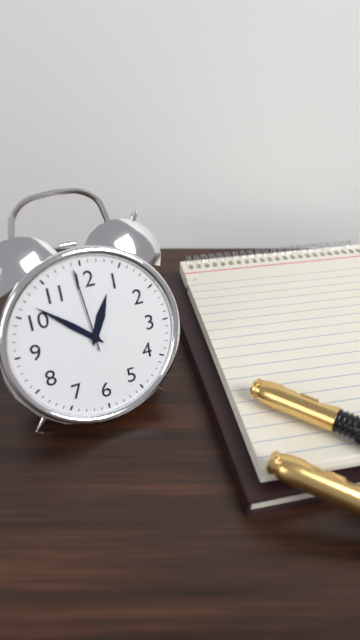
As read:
12 h 52 min 59 s
